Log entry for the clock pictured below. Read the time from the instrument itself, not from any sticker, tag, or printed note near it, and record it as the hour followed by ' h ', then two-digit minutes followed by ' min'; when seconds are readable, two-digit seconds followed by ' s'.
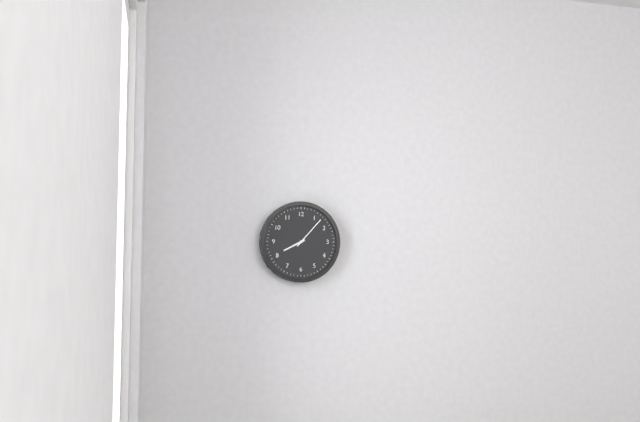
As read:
8 h 07 min
